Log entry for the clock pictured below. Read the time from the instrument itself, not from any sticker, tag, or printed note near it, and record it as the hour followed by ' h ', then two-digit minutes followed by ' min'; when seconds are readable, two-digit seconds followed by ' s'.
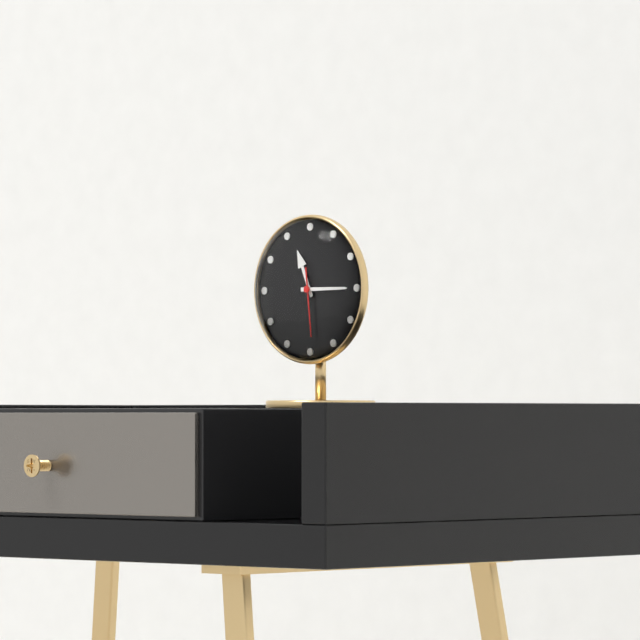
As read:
11 h 15 min 29 s
